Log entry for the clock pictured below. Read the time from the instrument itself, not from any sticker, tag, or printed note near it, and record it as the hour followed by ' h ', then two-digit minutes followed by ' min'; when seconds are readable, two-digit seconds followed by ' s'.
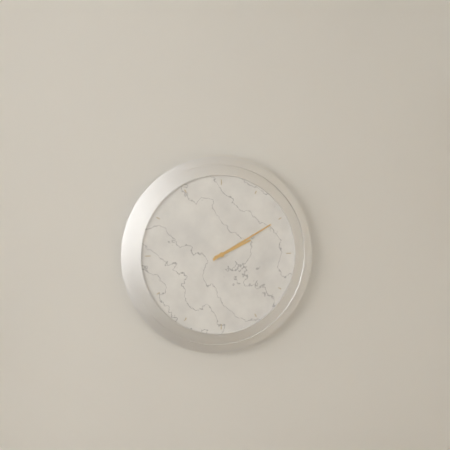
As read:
2 h 10 min
